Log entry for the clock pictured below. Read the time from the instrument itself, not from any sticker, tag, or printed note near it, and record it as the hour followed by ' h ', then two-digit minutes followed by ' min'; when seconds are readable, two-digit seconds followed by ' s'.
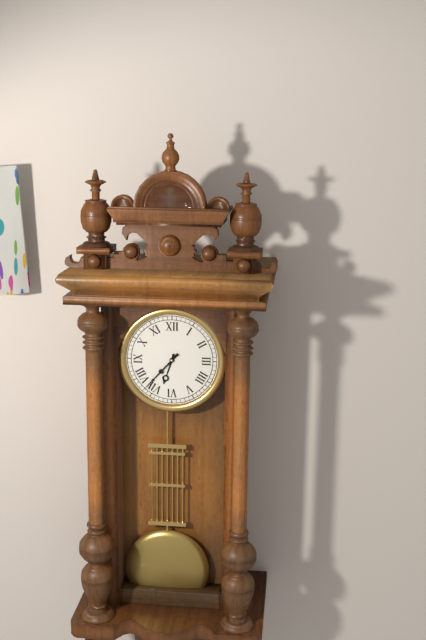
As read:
6 h 37 min
